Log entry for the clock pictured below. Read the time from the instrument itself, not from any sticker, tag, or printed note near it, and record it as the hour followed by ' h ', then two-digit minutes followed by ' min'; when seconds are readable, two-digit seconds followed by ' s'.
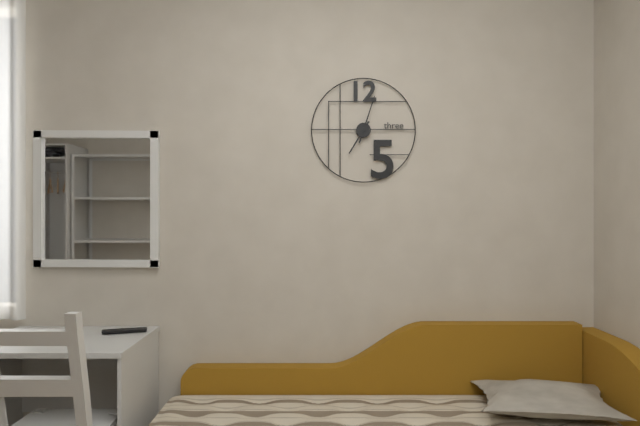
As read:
7 h 03 min
